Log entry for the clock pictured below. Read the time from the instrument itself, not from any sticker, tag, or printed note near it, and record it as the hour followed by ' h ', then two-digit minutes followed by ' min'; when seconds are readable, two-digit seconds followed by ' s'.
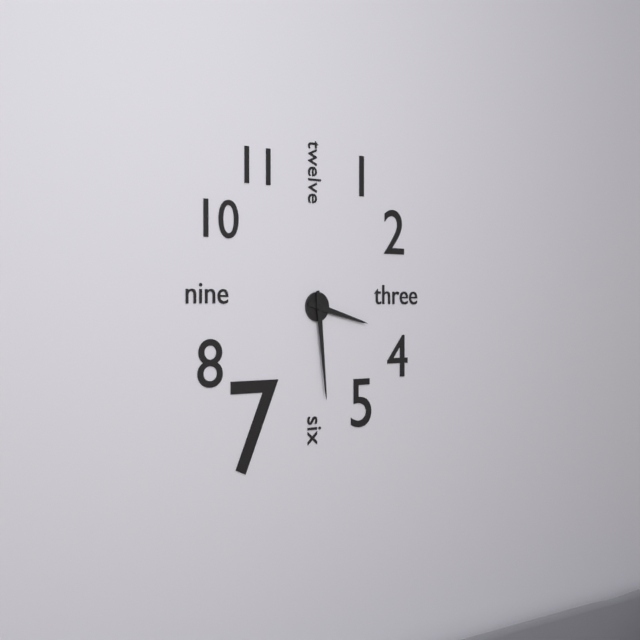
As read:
3 h 29 min
